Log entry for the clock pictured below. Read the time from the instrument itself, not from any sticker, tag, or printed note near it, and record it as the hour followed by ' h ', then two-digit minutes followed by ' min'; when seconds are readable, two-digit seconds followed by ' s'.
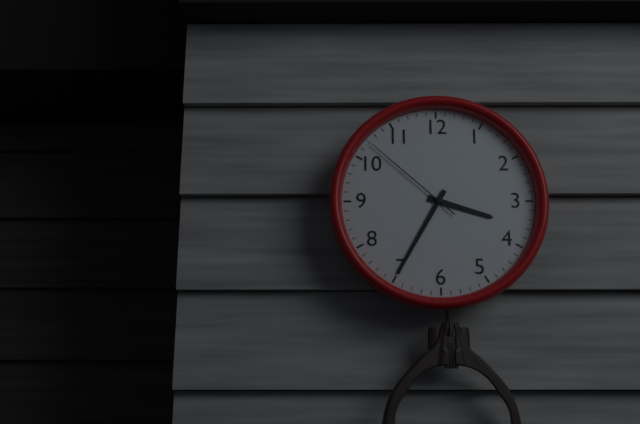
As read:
3 h 35 min 52 s
